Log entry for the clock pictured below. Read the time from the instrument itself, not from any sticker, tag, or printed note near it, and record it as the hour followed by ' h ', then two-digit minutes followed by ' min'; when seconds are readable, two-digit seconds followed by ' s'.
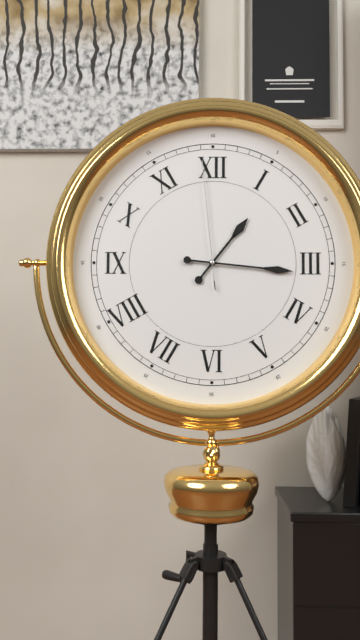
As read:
1 h 16 min 59 s
